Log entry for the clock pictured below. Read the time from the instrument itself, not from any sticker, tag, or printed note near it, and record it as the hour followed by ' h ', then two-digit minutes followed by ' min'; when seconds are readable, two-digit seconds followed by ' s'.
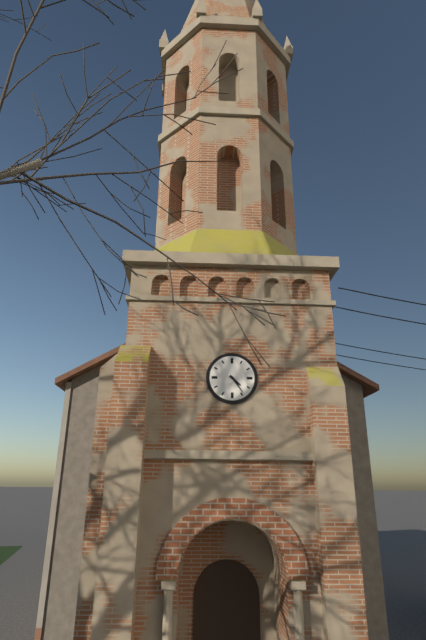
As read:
4 h 24 min
